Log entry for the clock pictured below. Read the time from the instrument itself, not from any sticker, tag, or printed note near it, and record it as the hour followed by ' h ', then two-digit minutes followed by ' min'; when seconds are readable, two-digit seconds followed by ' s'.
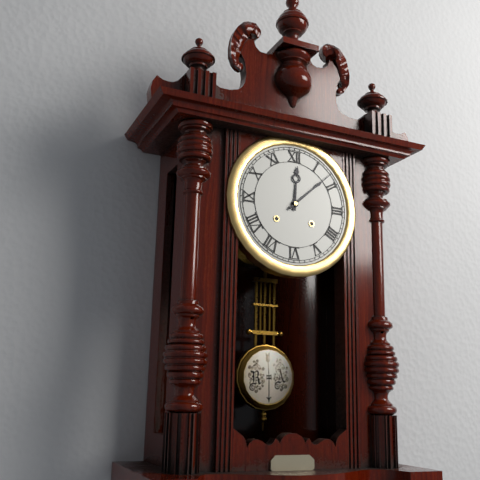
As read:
12 h 08 min
